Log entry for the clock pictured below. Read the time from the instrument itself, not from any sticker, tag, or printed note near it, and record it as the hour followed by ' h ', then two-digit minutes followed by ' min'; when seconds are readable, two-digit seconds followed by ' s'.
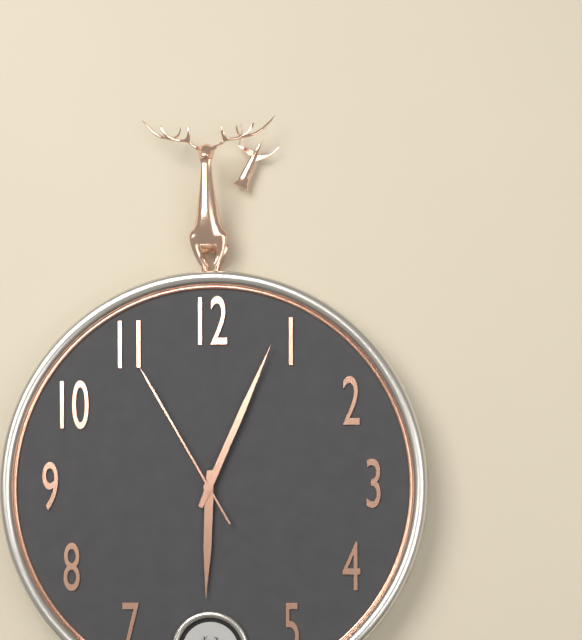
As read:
6 h 04 min 55 s
